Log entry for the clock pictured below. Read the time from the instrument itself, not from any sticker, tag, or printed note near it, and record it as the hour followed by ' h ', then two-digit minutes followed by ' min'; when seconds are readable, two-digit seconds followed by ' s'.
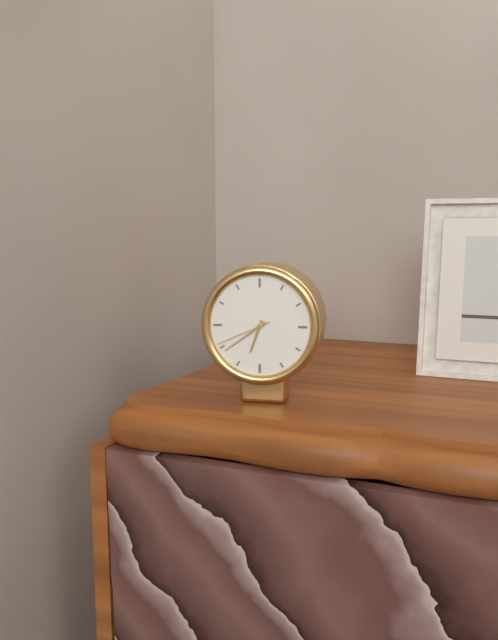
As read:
6 h 39 min 41 s
